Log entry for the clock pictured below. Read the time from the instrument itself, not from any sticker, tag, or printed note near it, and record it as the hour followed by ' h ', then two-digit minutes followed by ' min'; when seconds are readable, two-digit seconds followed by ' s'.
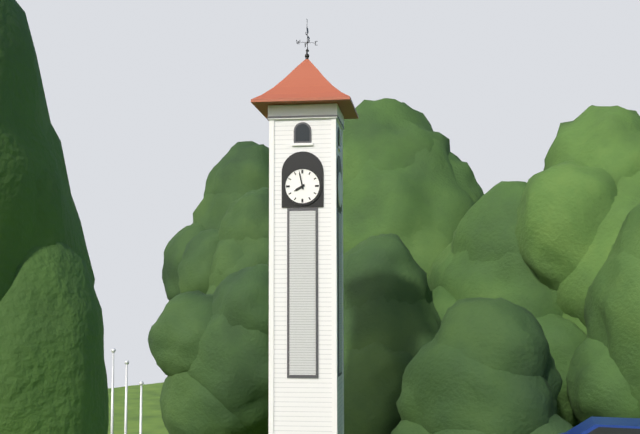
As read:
7 h 58 min
